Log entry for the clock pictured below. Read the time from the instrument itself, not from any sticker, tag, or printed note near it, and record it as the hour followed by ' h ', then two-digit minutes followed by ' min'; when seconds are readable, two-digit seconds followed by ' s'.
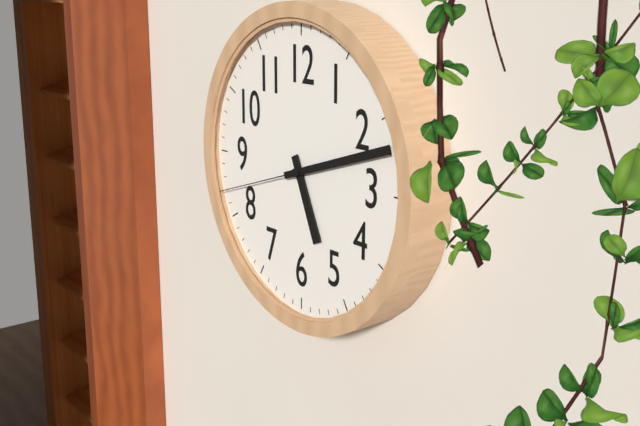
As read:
5 h 12 min 42 s
